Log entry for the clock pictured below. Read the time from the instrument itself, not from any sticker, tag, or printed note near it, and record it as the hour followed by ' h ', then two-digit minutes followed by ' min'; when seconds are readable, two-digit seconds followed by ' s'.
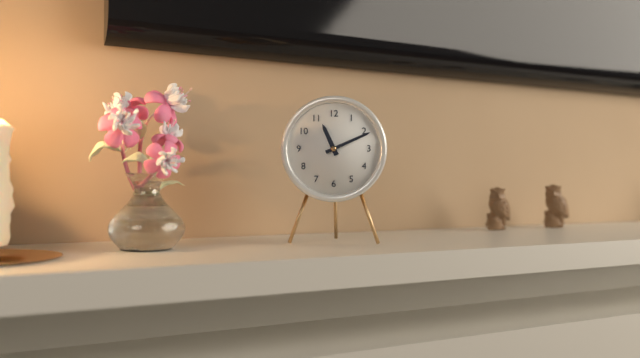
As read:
11 h 11 min
